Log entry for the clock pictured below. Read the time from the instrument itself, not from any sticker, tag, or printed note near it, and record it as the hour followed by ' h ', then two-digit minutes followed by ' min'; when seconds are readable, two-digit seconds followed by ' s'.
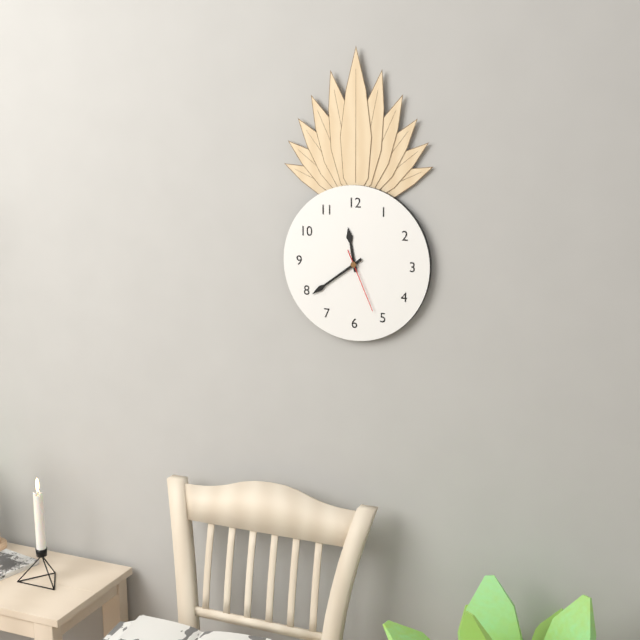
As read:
11 h 39 min 26 s
